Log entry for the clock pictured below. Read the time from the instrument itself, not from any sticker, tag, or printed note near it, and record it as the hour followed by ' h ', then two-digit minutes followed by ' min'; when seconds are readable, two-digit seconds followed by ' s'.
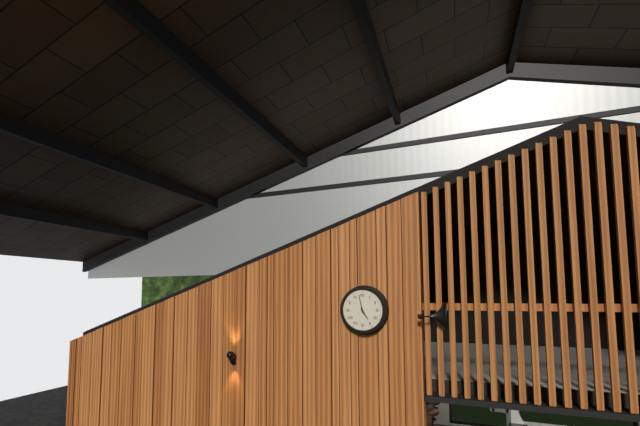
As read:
4 h 58 min
